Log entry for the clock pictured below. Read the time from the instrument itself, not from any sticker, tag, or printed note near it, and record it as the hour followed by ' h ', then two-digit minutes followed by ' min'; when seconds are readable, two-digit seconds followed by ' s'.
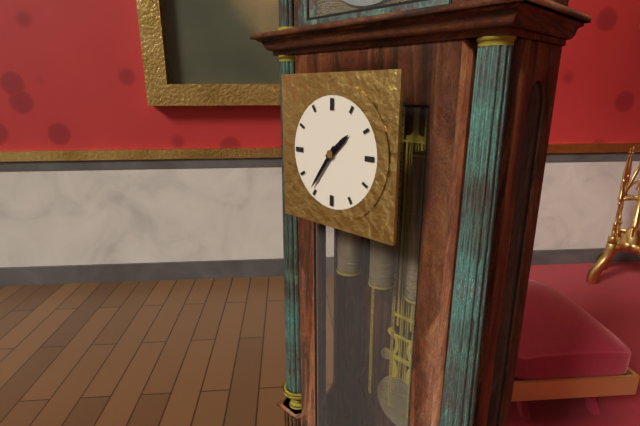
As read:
1 h 36 min
